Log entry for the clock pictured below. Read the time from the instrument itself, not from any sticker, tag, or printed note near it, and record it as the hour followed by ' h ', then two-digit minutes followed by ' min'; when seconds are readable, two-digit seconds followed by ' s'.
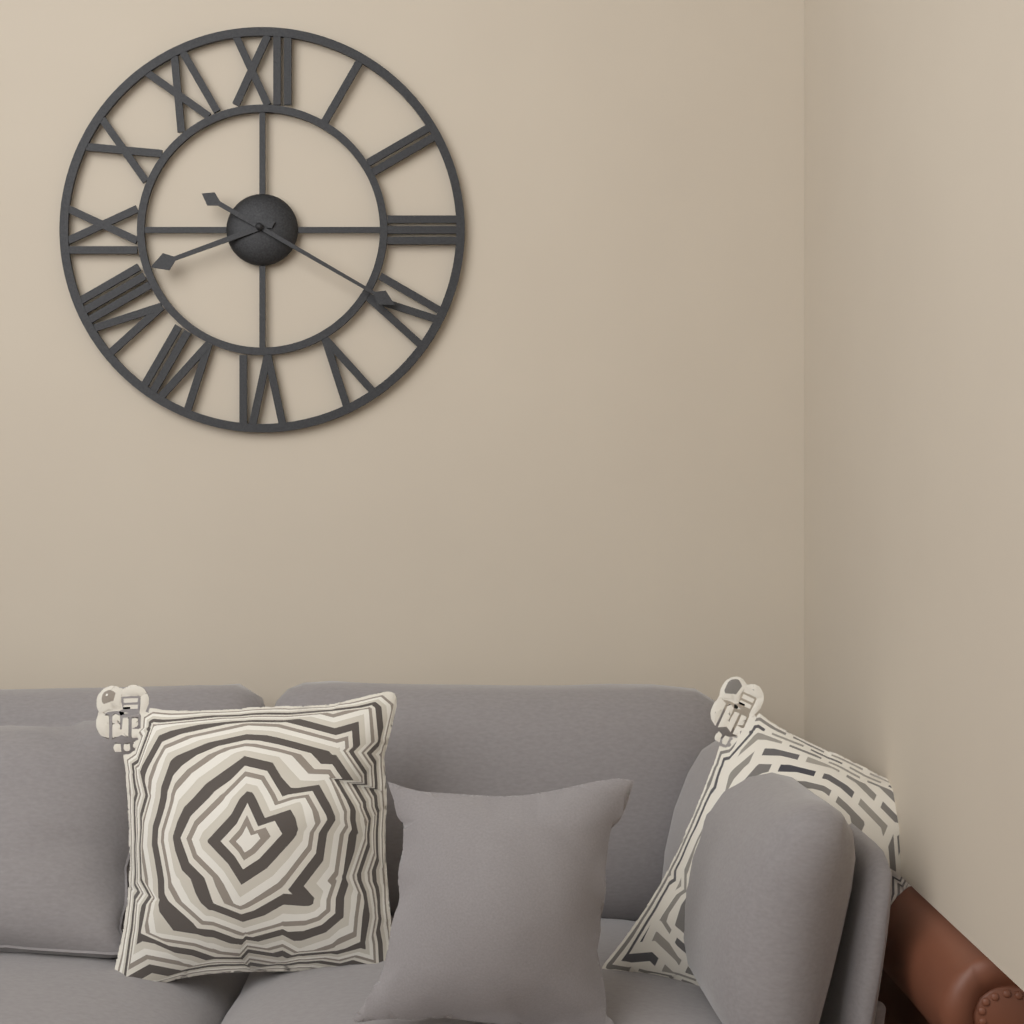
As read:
8 h 20 min
